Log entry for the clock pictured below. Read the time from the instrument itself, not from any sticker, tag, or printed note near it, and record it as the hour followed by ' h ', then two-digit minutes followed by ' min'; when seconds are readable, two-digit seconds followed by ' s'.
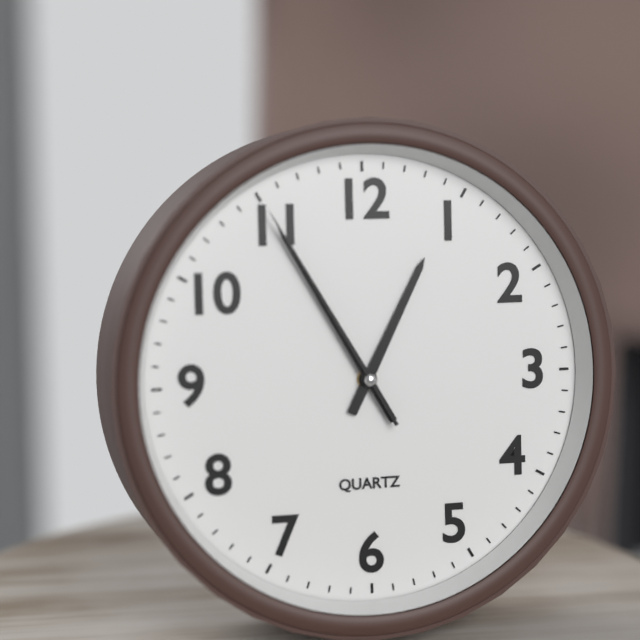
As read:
12 h 55 min 55 s
